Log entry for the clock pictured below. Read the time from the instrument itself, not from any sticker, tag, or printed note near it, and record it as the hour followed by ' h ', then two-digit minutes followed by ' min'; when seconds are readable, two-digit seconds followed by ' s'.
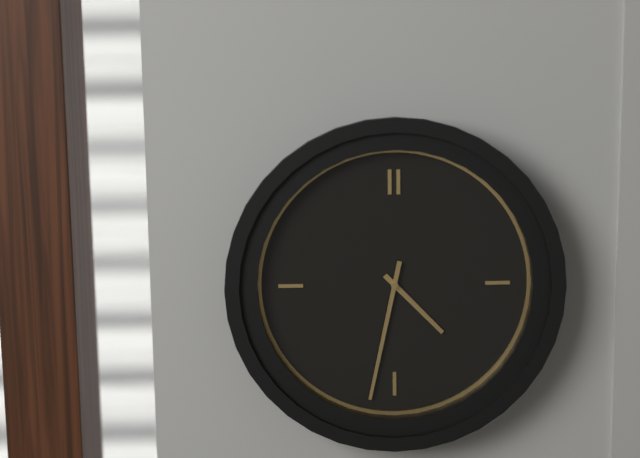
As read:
4 h 32 min
